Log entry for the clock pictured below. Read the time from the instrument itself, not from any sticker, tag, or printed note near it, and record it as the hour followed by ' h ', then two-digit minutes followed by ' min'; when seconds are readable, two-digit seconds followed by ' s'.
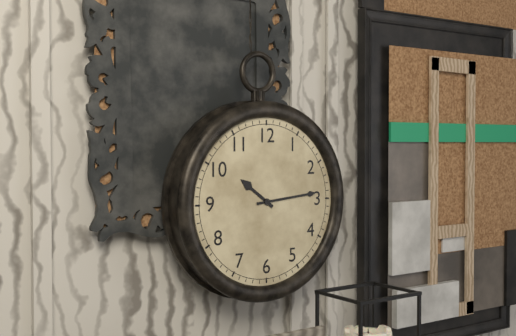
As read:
10 h 14 min
